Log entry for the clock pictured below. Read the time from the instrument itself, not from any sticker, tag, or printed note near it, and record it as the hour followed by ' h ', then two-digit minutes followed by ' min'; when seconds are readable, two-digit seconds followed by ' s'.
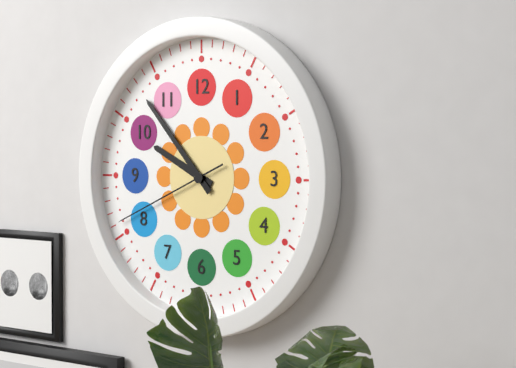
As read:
9 h 53 min 41 s
